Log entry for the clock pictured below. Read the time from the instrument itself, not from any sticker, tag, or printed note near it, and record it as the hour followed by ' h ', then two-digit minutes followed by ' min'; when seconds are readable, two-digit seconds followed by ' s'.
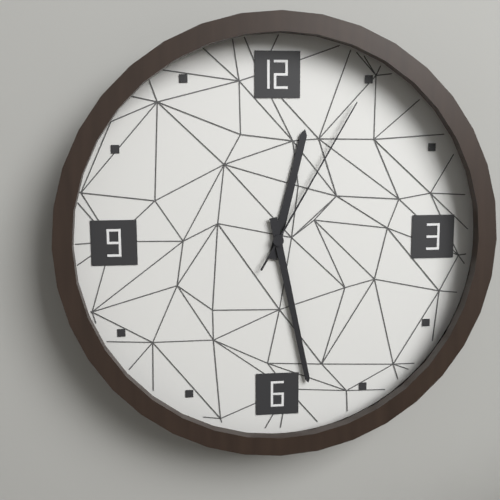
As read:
12 h 28 min 05 s
